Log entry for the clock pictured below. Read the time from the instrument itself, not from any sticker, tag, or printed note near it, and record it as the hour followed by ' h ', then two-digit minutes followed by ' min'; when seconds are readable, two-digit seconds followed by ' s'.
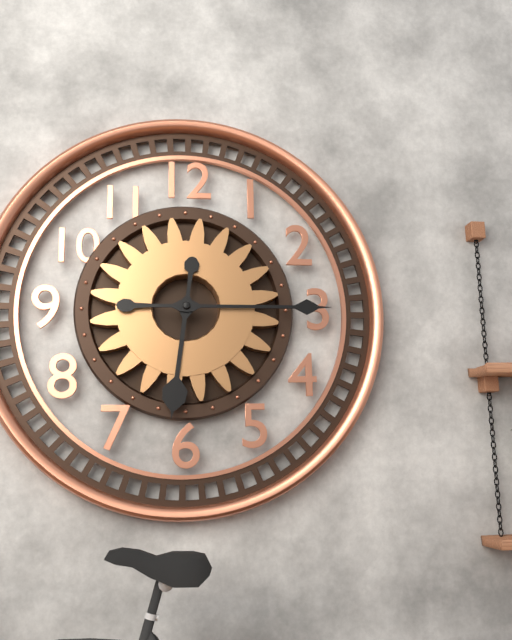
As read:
6 h 15 min
